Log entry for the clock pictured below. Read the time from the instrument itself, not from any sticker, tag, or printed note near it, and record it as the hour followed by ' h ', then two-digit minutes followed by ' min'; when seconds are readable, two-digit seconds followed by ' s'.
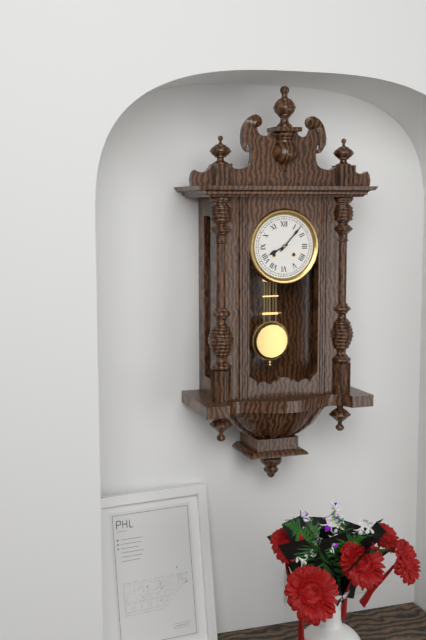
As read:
8 h 07 min
